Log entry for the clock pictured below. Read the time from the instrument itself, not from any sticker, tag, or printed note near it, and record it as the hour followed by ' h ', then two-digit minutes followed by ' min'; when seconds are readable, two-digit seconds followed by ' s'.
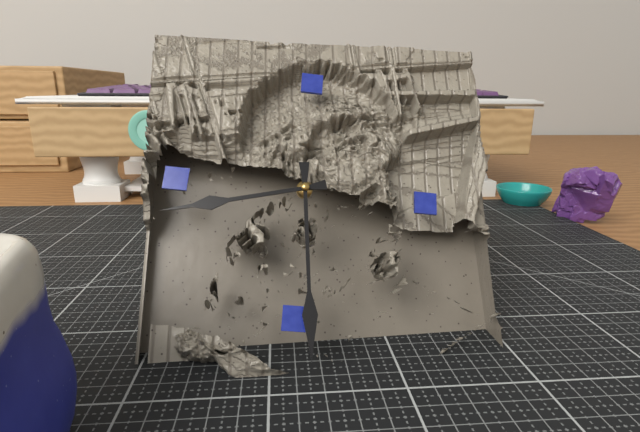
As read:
8 h 29 min
